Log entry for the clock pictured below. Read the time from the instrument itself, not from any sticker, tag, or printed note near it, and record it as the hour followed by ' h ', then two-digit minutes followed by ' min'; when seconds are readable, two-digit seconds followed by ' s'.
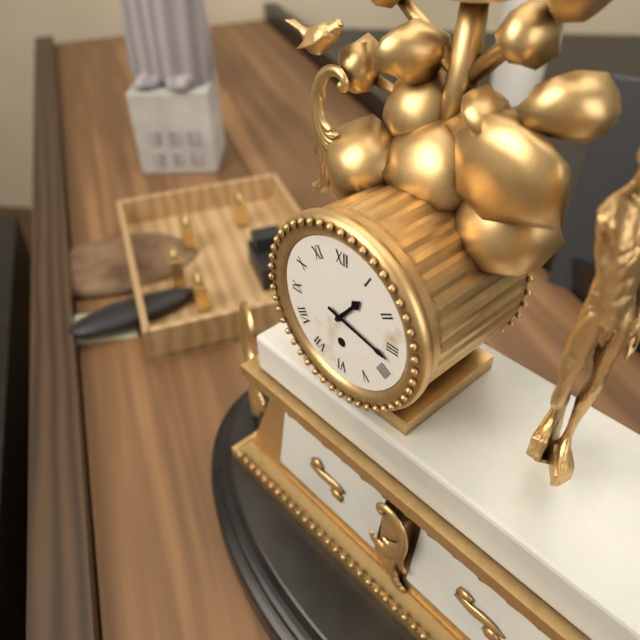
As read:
1 h 17 min
